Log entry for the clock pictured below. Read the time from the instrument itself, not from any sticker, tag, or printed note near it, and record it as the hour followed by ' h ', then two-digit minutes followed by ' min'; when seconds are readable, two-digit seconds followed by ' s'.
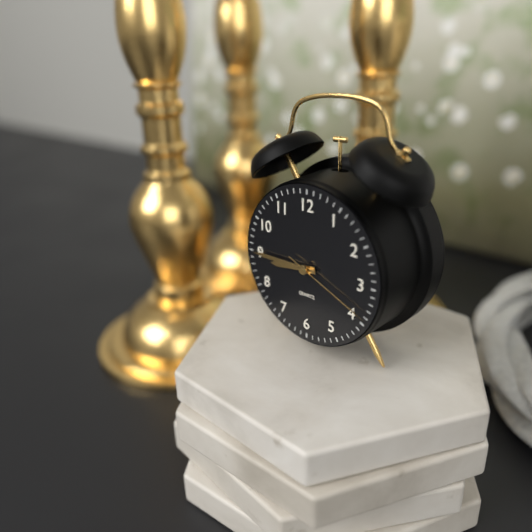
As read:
8 h 45 min 19 s
